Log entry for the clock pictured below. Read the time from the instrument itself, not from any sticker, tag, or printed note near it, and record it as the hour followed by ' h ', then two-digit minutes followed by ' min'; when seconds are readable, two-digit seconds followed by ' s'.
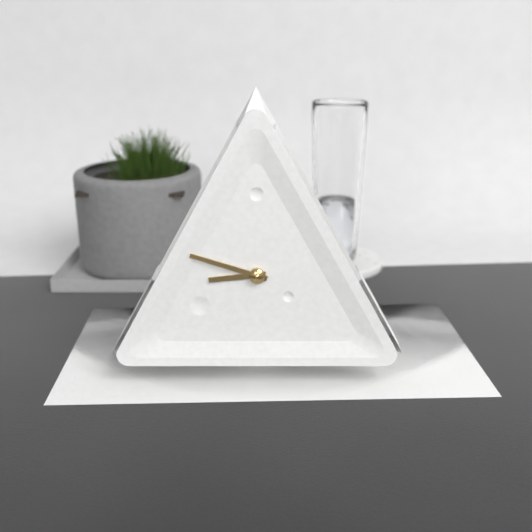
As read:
8 h 48 min
